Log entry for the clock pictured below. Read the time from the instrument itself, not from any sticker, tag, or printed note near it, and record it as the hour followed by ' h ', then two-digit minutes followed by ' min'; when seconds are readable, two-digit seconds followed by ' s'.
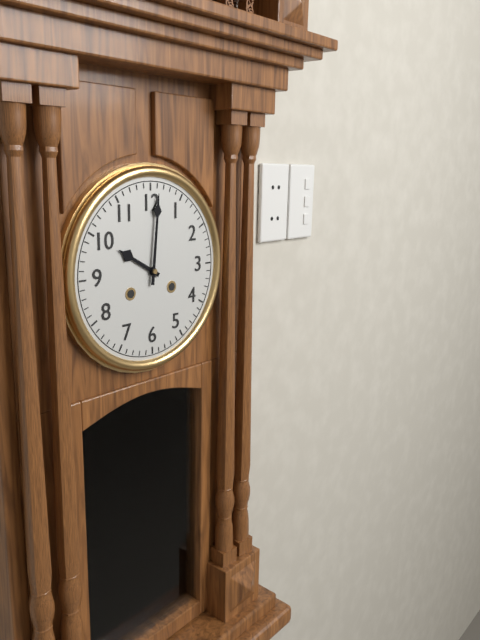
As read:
10 h 01 min
